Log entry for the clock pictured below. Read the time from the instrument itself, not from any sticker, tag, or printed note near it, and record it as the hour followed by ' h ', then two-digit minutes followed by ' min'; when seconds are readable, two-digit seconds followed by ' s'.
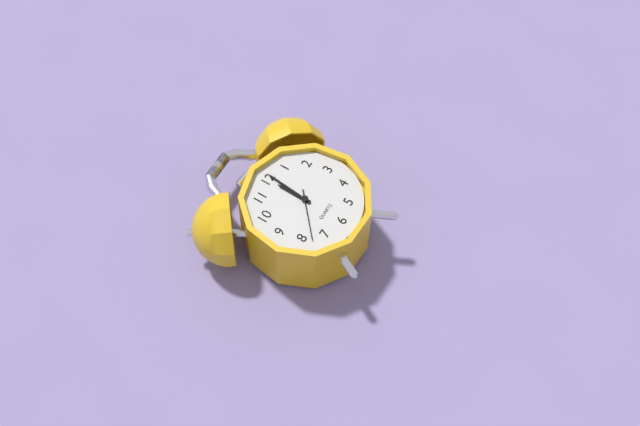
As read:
12 h 01 min 38 s
